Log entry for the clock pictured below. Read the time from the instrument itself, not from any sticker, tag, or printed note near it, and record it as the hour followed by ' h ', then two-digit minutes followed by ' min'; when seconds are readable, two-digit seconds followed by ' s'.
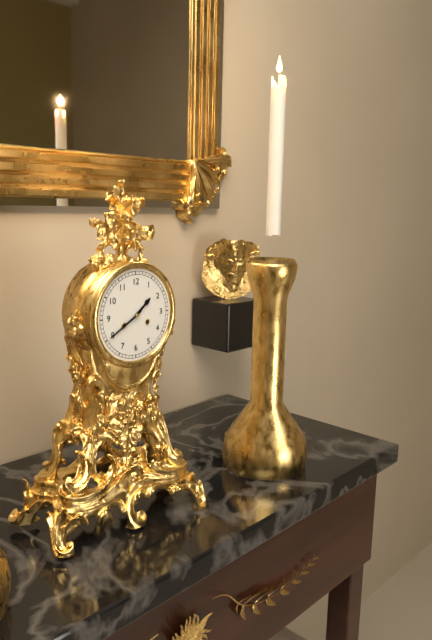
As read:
1 h 40 min
